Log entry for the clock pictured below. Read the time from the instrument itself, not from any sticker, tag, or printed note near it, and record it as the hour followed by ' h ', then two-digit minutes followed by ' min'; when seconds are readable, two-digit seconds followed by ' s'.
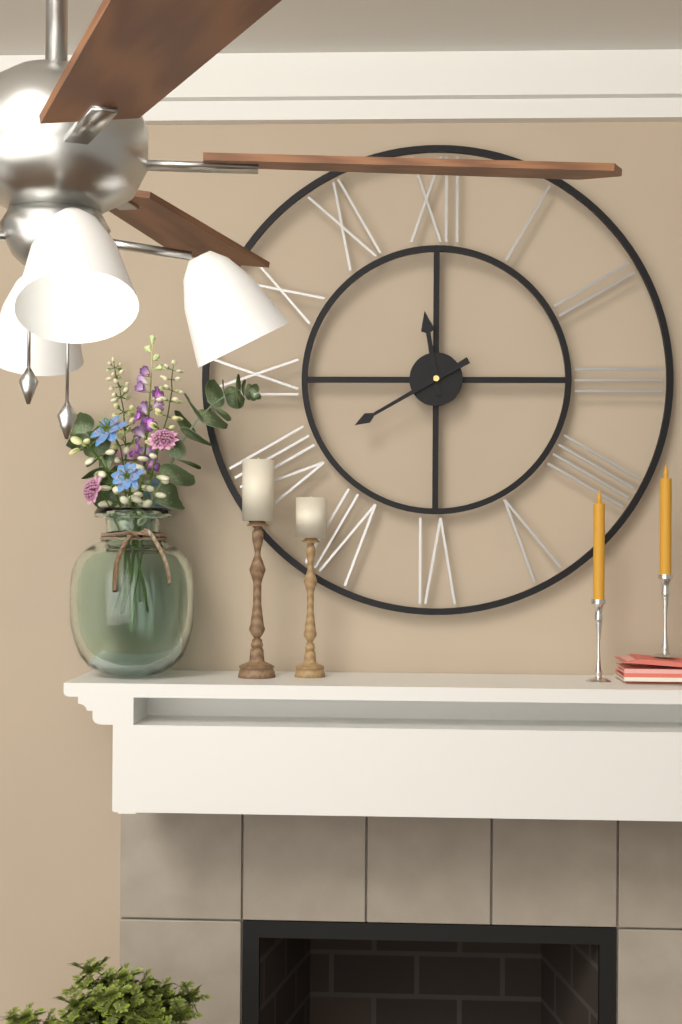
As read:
11 h 40 min
